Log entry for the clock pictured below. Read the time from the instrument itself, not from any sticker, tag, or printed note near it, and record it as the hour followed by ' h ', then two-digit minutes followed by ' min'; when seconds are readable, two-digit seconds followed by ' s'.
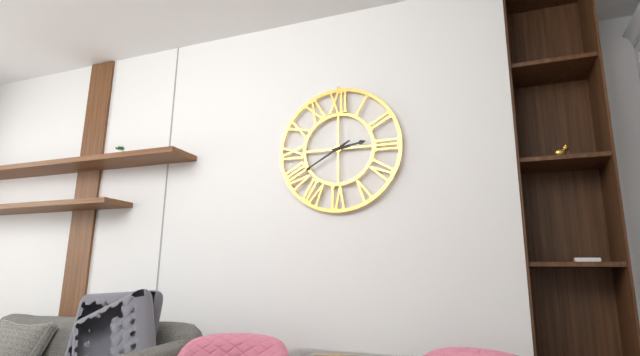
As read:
2 h 40 min
